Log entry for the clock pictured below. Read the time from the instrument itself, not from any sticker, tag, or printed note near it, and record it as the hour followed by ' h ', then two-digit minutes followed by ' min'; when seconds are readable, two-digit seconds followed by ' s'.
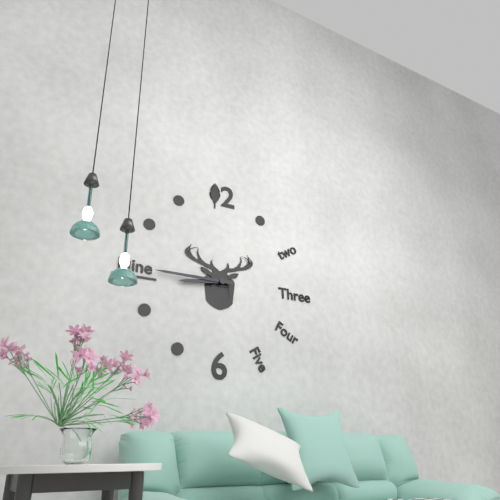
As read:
8 h 45 min
